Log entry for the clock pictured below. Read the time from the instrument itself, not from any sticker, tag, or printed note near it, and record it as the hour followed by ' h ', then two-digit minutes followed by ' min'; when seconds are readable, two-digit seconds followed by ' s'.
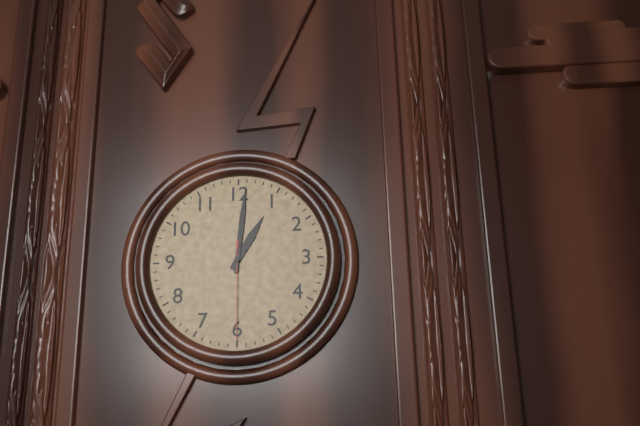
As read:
1 h 01 min 30 s
